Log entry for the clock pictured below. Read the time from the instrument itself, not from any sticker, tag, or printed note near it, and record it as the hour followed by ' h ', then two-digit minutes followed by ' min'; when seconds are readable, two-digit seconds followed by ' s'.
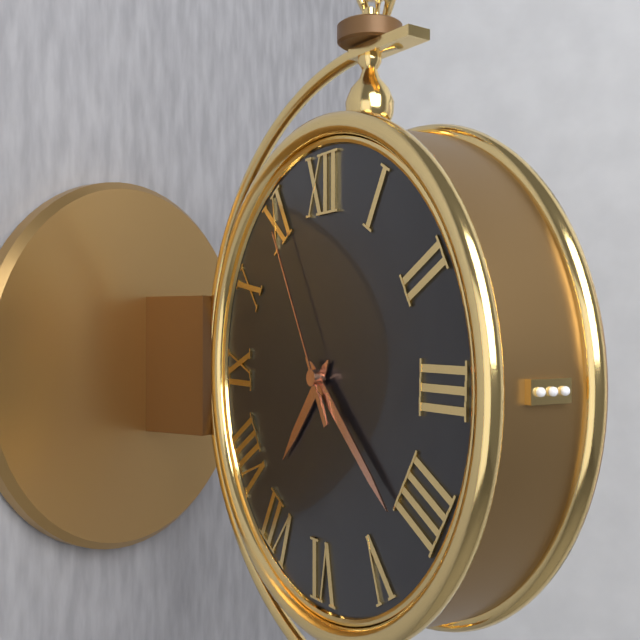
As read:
7 h 22 min 55 s
